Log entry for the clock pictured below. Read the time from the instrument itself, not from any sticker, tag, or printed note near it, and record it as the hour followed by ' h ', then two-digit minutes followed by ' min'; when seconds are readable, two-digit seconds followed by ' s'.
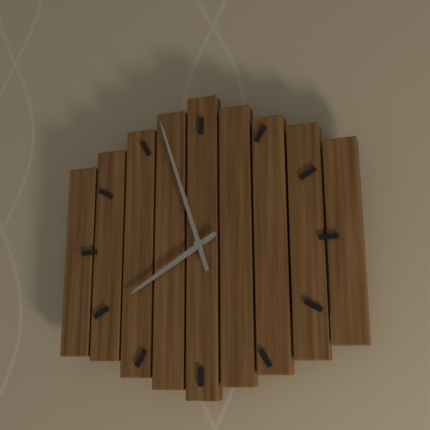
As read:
7 h 57 min
